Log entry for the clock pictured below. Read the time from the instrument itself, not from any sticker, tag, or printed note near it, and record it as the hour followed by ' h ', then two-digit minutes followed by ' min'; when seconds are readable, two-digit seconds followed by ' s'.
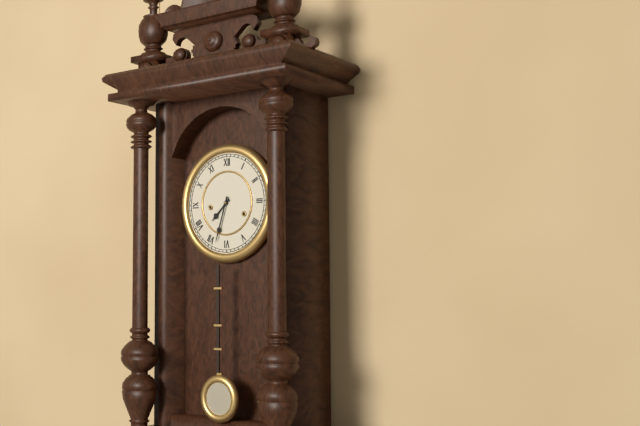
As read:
7 h 33 min
